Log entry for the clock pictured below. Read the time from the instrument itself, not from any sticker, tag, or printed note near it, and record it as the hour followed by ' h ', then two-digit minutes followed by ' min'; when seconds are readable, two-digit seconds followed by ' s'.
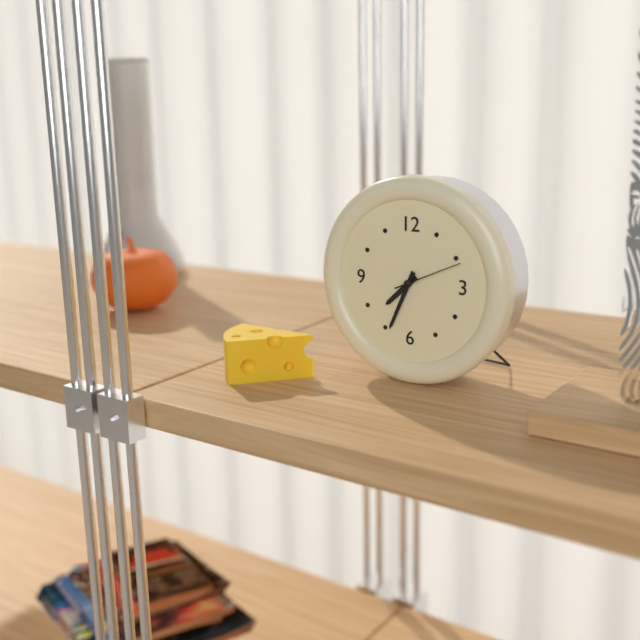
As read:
7 h 34 min 11 s
